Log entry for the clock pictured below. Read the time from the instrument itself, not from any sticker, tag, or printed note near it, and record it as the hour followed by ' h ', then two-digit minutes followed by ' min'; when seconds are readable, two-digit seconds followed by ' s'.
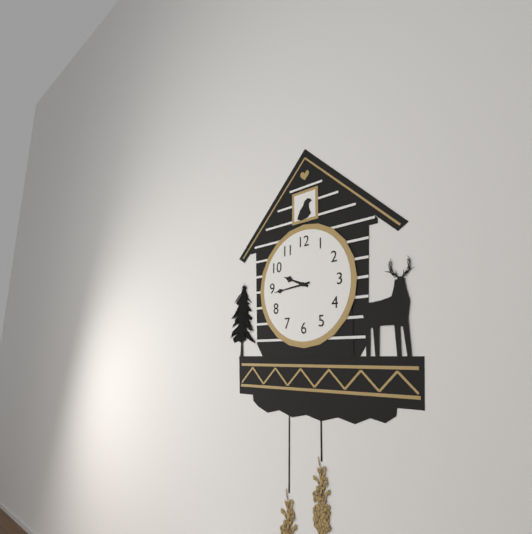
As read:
9 h 44 min
